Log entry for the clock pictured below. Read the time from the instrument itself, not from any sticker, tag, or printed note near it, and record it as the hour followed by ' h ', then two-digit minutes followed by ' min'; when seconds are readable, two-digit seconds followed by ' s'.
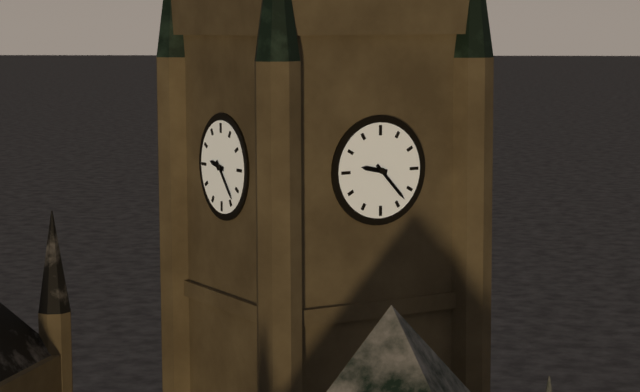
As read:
9 h 23 min
